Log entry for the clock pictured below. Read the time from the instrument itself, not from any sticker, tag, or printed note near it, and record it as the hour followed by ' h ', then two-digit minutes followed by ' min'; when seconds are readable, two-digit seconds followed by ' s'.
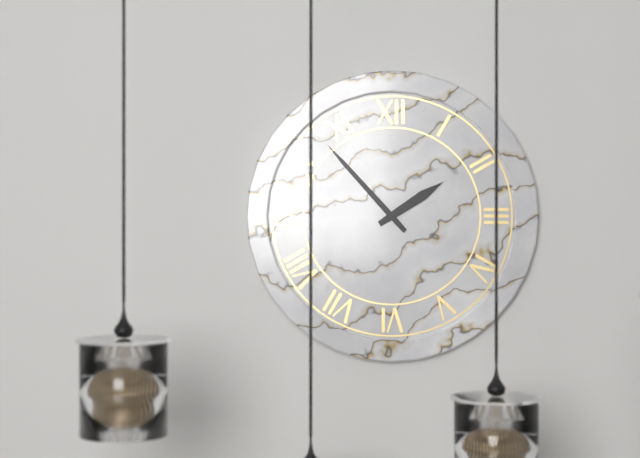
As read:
1 h 53 min
